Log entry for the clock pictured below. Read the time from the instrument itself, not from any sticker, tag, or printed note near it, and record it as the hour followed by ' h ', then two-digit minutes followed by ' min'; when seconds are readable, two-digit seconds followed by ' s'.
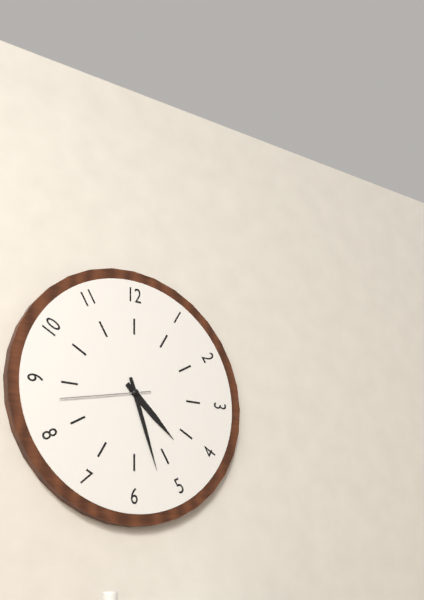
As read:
4 h 27 min 43 s
